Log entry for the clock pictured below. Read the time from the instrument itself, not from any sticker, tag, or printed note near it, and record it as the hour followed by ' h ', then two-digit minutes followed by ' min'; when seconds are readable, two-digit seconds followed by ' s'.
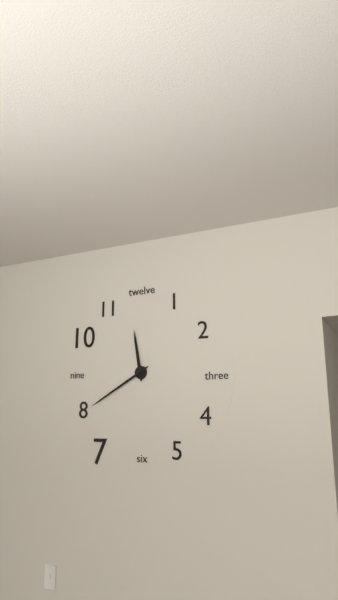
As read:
11 h 40 min
